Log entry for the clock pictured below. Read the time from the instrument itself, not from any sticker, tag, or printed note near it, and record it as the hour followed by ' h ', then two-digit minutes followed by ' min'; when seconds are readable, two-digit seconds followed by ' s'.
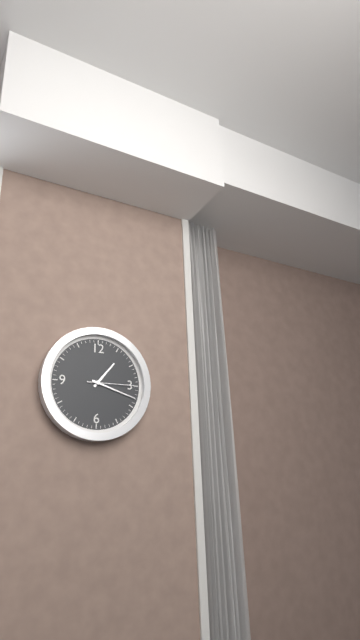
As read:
1 h 18 min
